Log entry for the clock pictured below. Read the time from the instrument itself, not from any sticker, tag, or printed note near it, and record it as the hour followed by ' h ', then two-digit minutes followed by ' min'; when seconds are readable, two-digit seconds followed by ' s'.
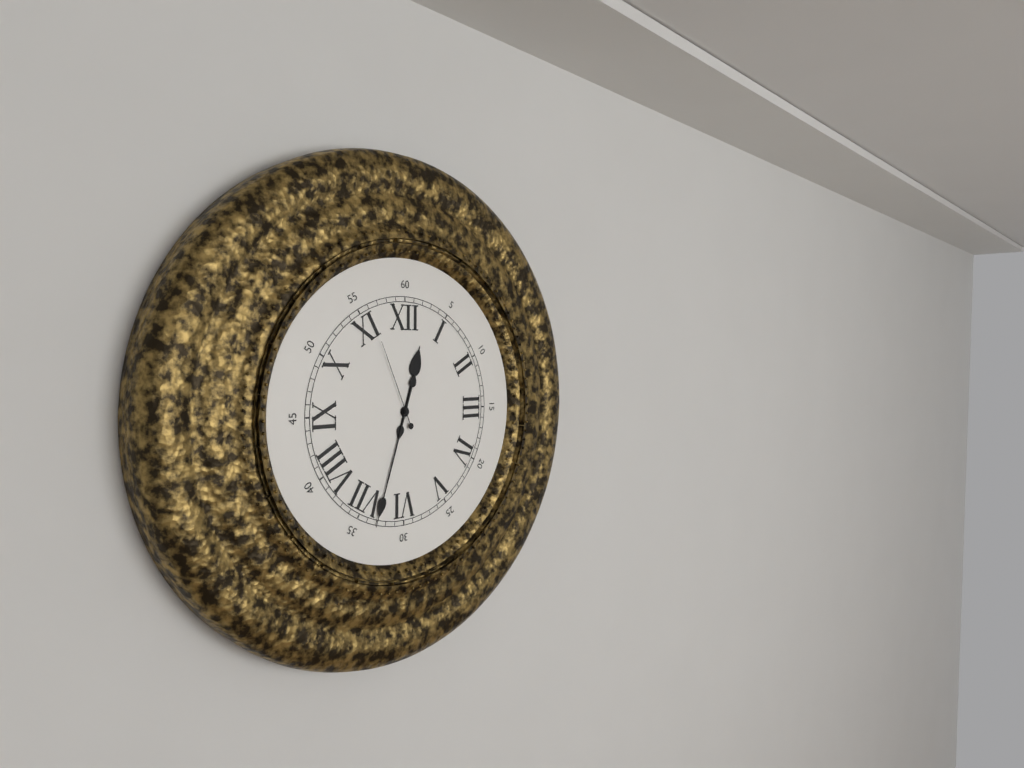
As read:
12 h 33 min 56 s
